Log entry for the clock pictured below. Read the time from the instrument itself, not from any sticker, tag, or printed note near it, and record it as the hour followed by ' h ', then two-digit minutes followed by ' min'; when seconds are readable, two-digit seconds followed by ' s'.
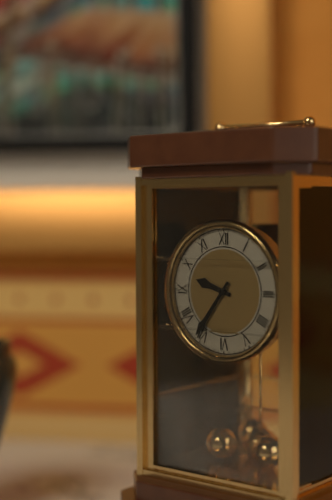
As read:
9 h 36 min
